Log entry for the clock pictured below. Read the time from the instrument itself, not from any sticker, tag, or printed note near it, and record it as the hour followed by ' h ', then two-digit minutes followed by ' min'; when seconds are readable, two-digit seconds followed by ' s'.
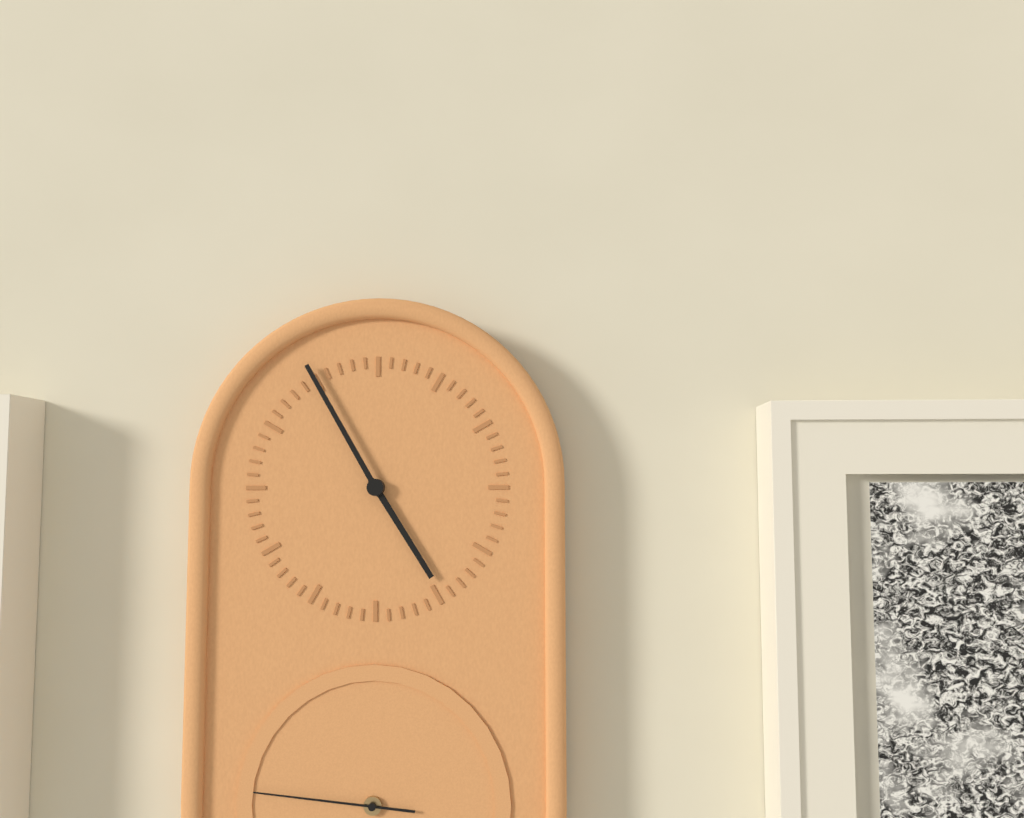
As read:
4 h 55 min 46 s
